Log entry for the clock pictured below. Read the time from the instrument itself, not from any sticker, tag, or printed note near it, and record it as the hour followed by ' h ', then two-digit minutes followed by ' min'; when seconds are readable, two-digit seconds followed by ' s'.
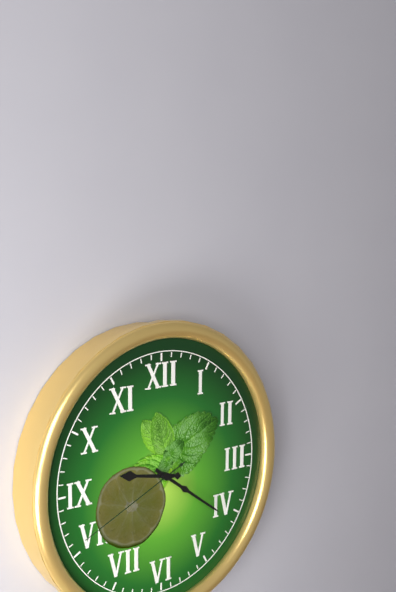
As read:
9 h 21 min 41 s
